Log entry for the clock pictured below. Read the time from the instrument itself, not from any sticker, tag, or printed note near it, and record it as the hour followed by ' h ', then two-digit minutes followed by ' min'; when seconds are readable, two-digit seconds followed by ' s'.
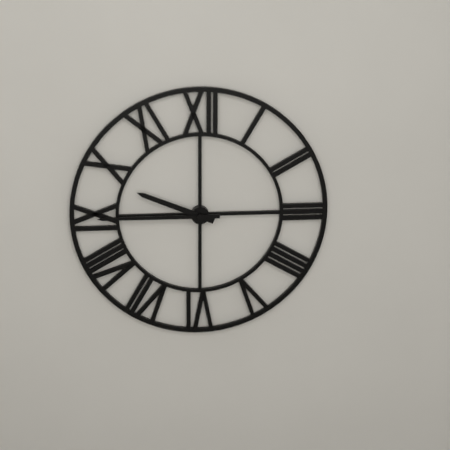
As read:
9 h 45 min
